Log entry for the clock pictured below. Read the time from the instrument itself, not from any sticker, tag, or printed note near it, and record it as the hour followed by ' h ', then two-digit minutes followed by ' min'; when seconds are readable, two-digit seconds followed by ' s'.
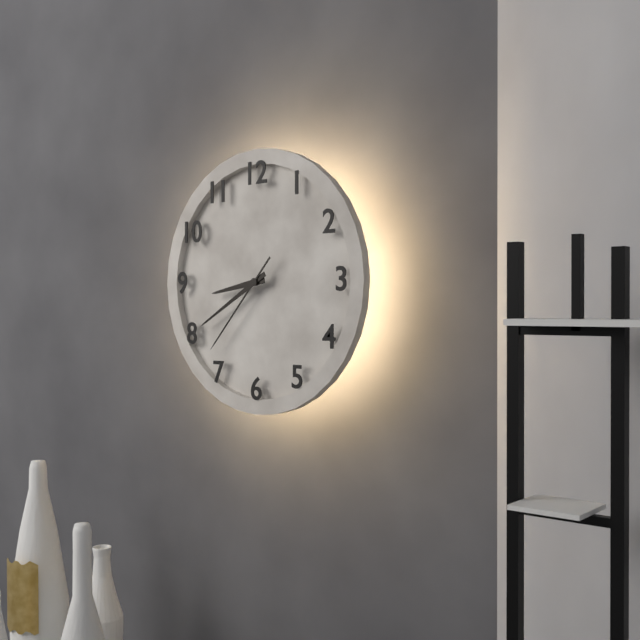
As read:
8 h 40 min 37 s
